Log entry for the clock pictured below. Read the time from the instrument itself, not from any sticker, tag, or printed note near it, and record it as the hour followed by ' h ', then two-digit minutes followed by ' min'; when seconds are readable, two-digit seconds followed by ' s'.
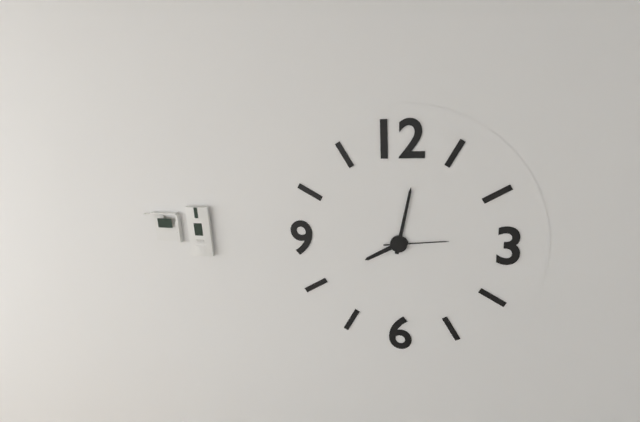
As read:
8 h 02 min 14 s
